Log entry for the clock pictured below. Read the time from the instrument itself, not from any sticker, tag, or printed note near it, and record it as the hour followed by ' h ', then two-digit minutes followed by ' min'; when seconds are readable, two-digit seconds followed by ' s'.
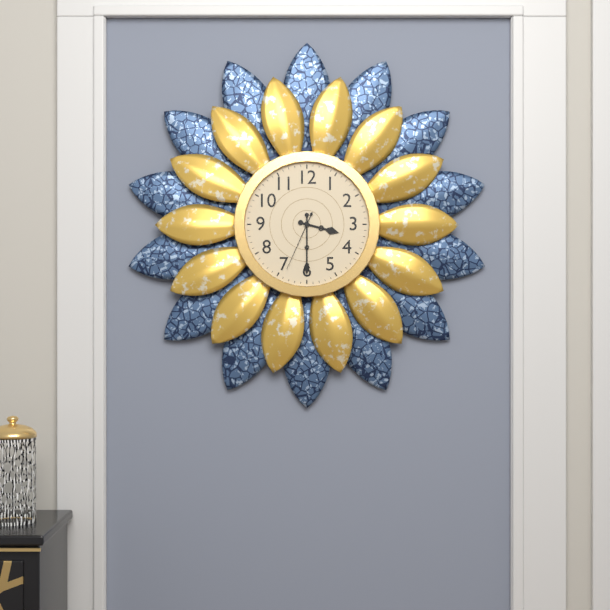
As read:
3 h 30 min 34 s
